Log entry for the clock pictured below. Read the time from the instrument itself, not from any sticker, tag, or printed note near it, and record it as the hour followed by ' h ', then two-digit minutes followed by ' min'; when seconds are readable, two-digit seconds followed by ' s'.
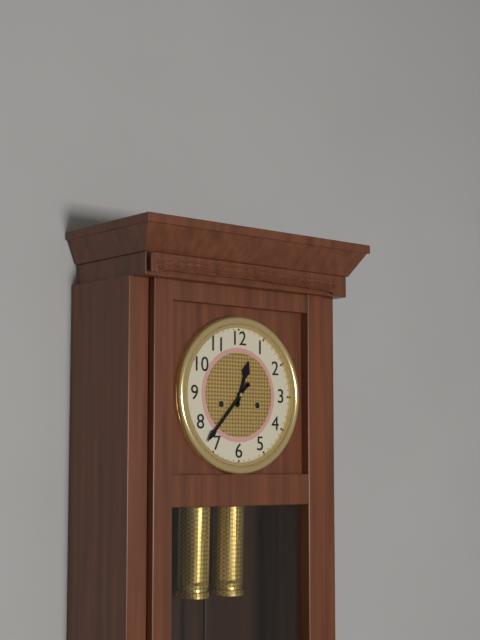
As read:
12 h 37 min
